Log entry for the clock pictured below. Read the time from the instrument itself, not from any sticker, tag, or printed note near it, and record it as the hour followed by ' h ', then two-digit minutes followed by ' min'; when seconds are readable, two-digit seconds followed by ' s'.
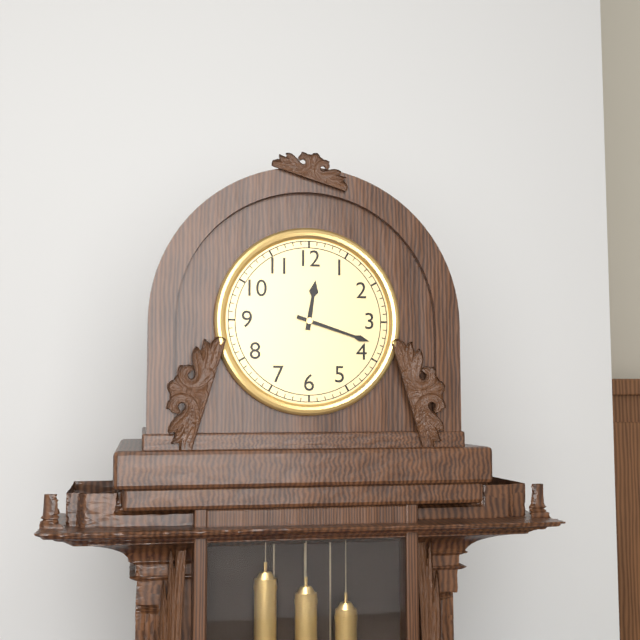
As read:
12 h 18 min
